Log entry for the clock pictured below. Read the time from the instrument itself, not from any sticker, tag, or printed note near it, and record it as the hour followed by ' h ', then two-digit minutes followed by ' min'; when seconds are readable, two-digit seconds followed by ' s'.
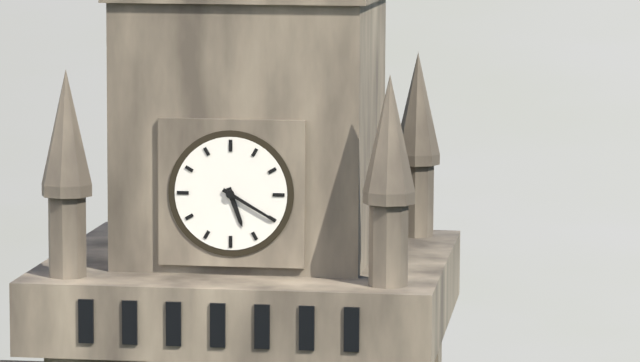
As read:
5 h 20 min
